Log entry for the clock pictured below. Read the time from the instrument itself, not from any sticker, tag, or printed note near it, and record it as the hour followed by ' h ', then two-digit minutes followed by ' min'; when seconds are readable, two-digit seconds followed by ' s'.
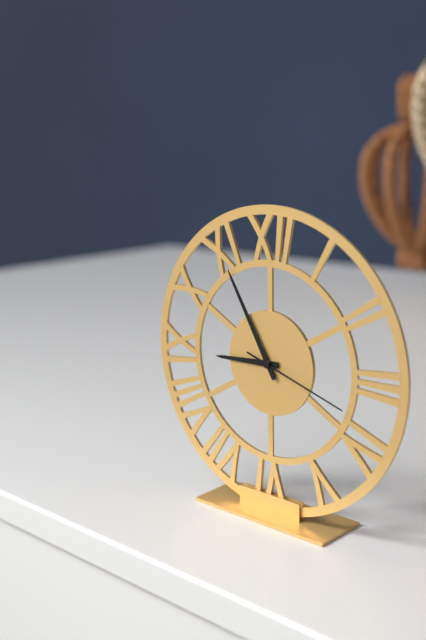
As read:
8 h 55 min 18 s
